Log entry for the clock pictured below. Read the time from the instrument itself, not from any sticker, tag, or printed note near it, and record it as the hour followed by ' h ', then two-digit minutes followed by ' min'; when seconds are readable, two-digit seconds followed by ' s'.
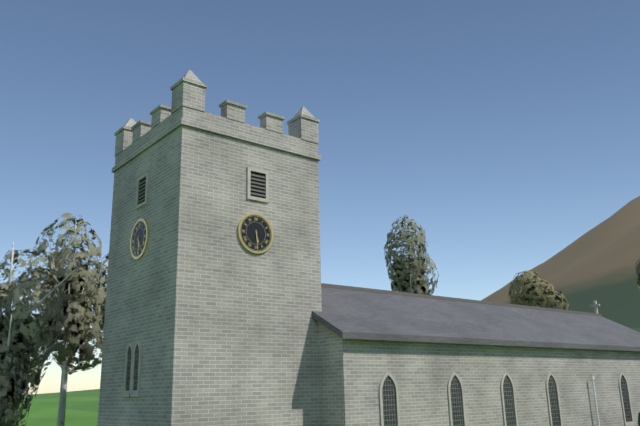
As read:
5 h 29 min
